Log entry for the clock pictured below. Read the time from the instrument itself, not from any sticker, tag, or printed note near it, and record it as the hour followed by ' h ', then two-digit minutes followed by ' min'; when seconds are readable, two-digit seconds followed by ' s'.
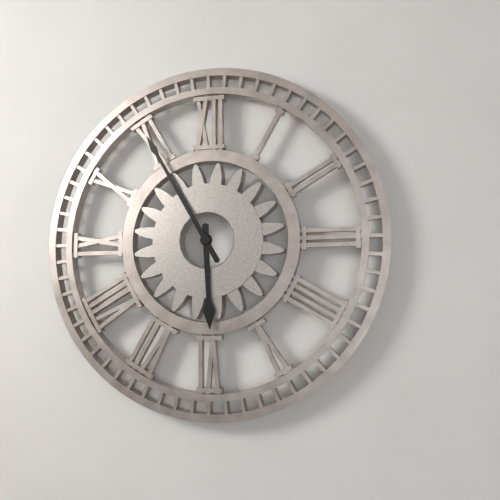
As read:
5 h 55 min
